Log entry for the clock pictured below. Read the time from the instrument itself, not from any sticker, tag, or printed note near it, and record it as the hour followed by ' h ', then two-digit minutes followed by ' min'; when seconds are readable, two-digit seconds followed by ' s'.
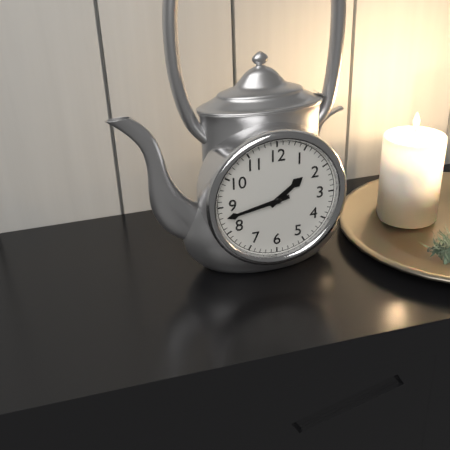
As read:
1 h 43 min
